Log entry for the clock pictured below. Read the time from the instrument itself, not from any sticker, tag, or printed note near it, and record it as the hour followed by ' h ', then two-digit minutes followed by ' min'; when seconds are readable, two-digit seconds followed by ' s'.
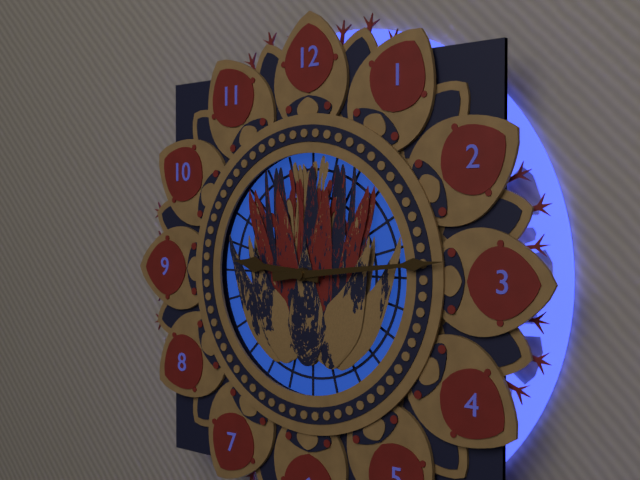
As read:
9 h 14 min
